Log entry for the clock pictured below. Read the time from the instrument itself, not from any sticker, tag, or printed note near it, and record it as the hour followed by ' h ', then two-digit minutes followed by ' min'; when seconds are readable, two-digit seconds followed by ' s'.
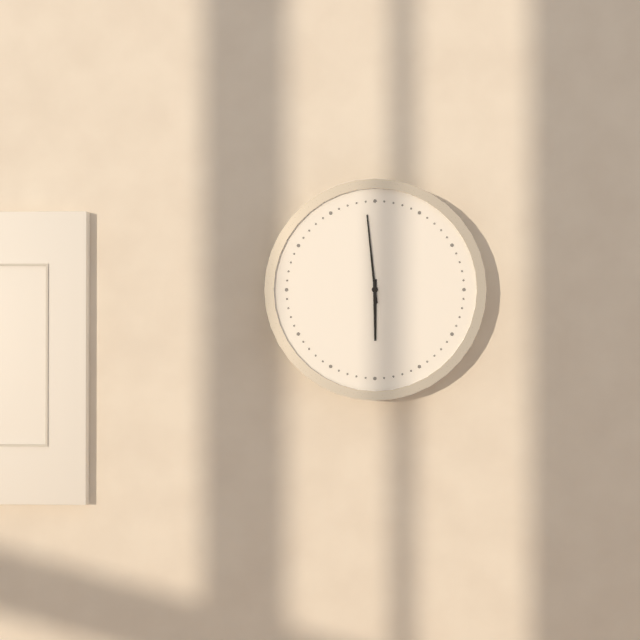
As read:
5 h 59 min
